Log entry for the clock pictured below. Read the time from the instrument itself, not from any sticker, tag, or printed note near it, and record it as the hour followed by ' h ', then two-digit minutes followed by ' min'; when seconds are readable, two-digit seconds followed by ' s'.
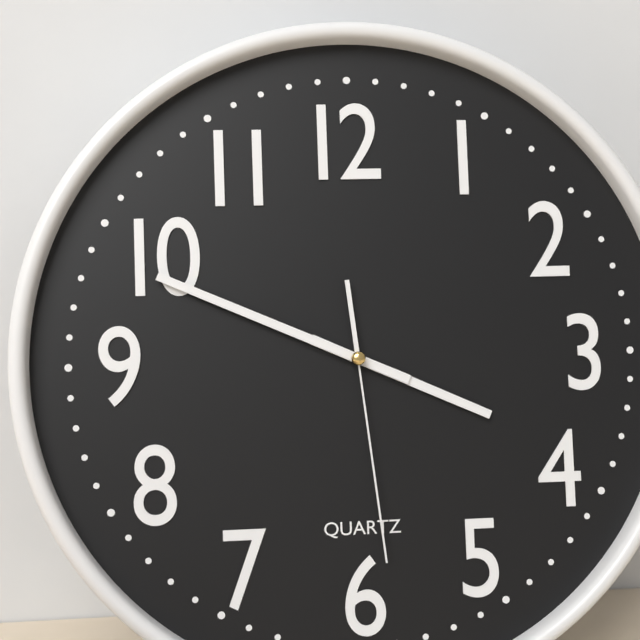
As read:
3 h 49 min 29 s
